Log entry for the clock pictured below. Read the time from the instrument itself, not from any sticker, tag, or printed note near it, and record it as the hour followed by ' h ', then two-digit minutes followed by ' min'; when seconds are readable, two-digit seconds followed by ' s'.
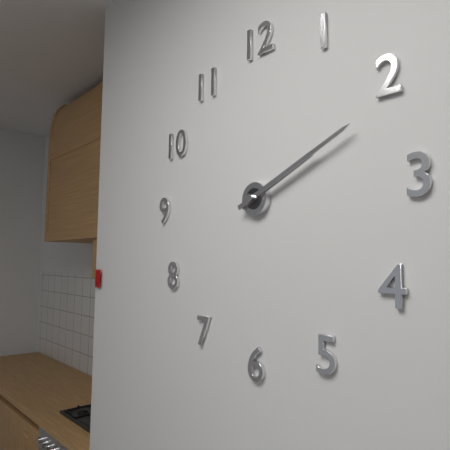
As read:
2 h 11 min
